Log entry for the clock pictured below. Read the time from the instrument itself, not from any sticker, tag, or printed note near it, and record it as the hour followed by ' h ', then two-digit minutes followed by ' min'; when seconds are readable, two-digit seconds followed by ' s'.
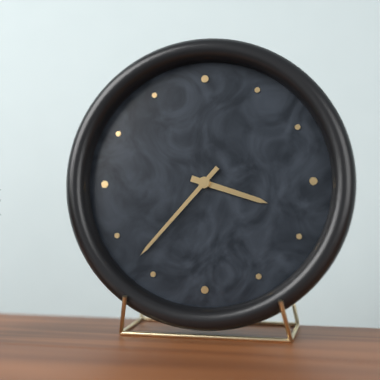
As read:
3 h 37 min
